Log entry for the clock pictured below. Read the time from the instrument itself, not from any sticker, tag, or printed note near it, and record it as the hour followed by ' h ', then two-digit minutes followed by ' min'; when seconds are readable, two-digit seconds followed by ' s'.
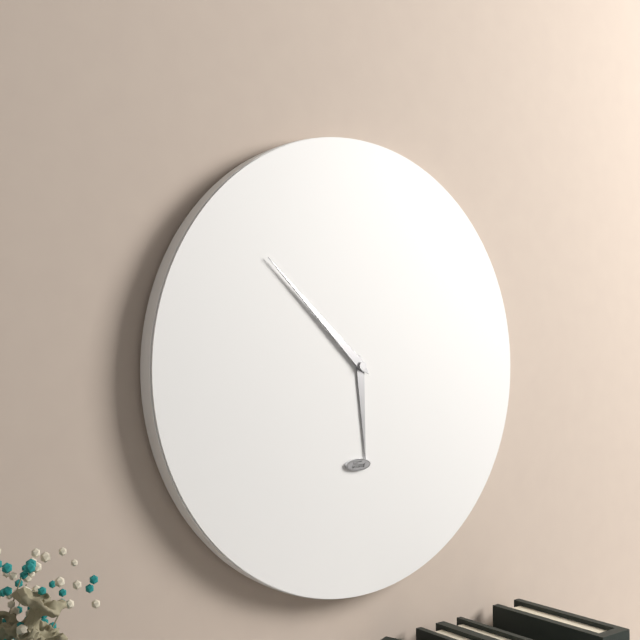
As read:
5 h 52 min
